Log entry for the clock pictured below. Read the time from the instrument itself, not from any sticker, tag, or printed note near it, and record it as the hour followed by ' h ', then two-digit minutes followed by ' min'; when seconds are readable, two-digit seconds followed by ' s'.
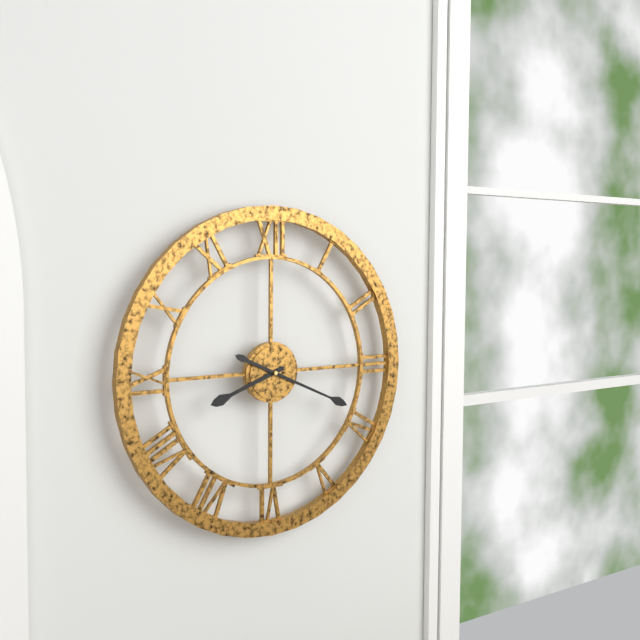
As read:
8 h 19 min
